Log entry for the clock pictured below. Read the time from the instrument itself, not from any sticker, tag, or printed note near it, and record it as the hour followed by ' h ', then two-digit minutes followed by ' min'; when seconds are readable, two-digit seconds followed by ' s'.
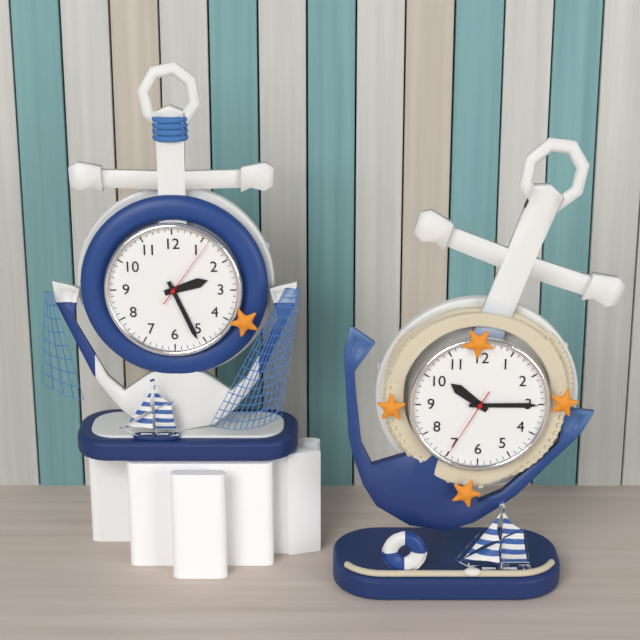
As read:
2 h 26 min 06 s
